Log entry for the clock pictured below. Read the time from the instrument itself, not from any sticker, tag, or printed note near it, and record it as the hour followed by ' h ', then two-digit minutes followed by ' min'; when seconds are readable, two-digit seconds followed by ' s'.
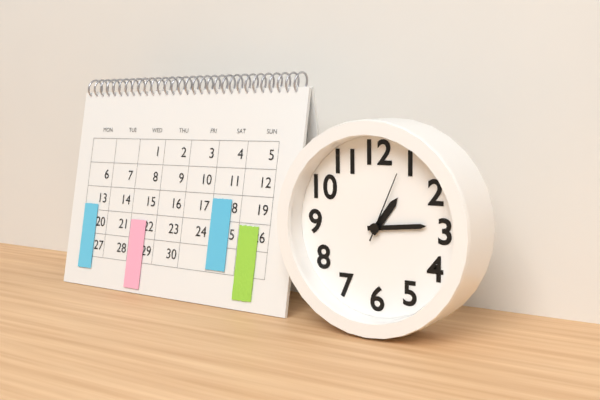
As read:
1 h 14 min 04 s
